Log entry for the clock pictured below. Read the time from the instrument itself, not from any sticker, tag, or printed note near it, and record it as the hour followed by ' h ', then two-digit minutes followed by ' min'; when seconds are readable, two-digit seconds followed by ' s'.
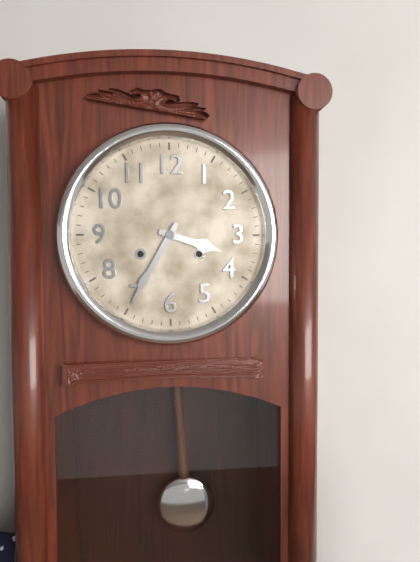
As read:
3 h 35 min
